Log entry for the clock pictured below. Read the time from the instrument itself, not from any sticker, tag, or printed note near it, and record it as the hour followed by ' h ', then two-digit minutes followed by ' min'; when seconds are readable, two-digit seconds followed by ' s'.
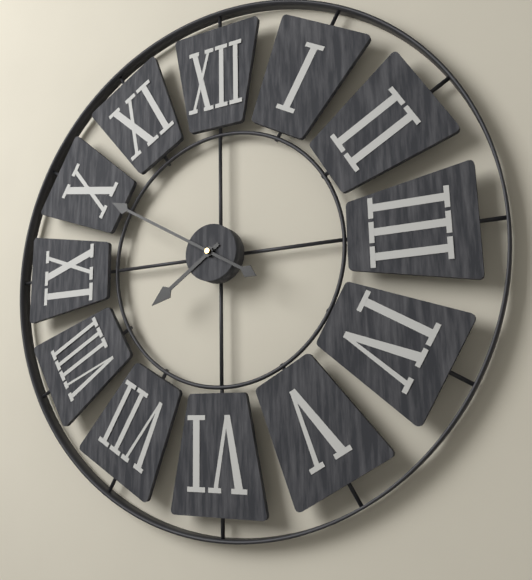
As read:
7 h 50 min
